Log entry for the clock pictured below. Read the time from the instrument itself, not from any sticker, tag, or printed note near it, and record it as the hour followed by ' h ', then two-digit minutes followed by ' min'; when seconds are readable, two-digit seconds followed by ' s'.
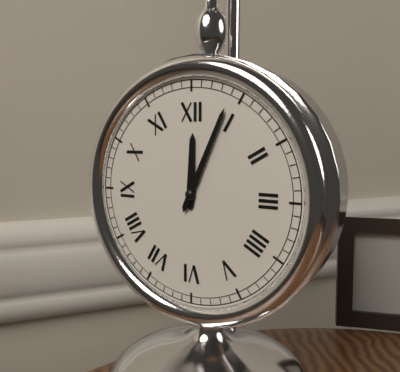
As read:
12 h 04 min
